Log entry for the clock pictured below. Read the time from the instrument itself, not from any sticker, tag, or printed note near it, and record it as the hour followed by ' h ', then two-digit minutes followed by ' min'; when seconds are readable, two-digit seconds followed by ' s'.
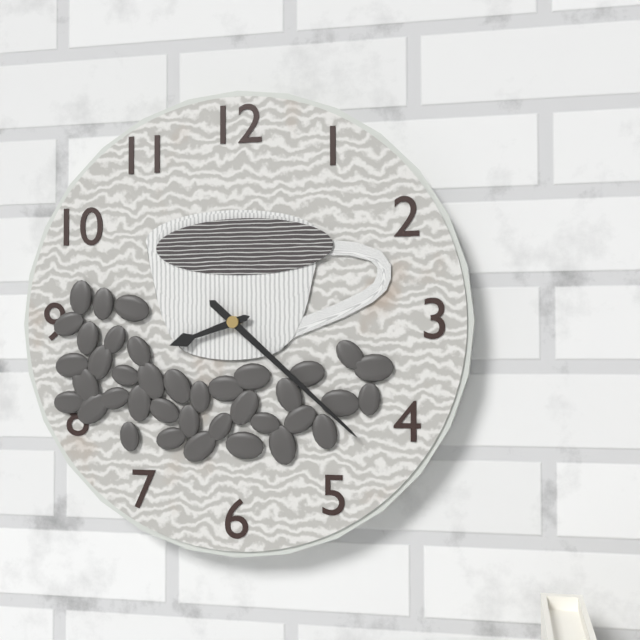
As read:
8 h 22 min
